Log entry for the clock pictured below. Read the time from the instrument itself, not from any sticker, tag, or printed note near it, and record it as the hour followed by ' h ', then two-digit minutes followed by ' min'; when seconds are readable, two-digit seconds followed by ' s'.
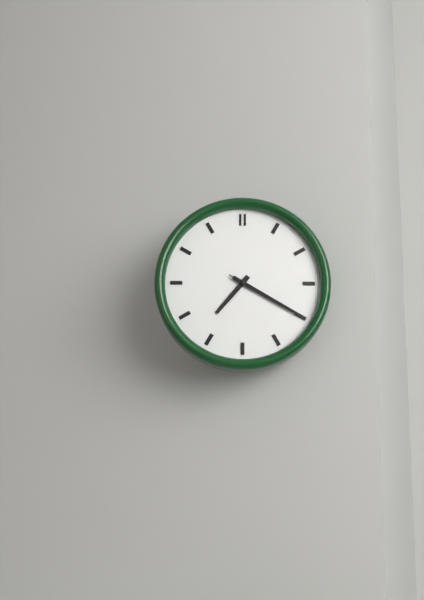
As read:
7 h 20 min 20 s
